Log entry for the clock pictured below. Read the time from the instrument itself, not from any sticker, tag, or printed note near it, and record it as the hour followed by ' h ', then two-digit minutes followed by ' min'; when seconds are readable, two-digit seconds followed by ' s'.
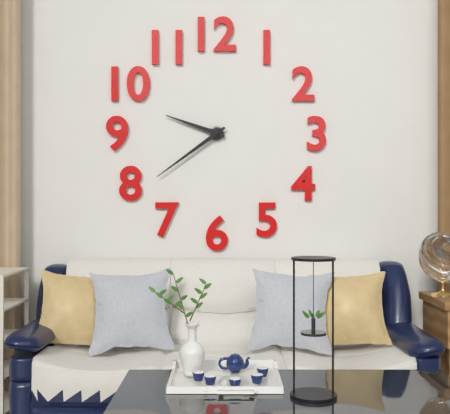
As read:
9 h 39 min
